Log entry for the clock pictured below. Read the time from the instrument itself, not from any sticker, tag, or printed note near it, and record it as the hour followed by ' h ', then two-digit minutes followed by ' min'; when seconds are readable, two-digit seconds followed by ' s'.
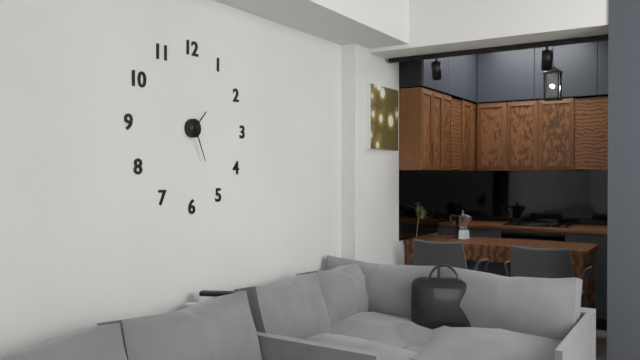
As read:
1 h 26 min
